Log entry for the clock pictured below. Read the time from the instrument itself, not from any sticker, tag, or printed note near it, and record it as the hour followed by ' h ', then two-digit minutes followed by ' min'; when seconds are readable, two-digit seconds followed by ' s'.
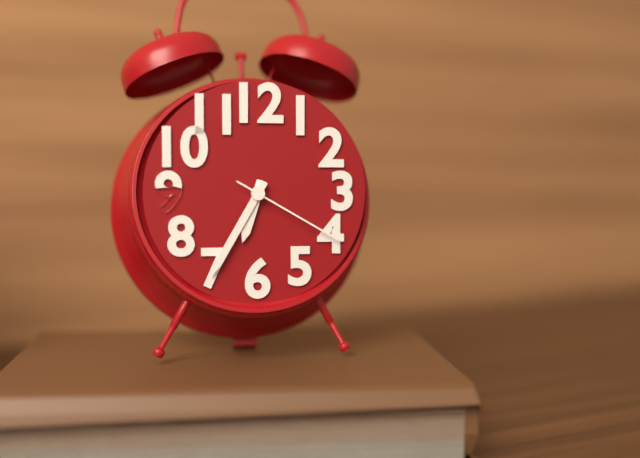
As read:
6 h 35 min 20 s
